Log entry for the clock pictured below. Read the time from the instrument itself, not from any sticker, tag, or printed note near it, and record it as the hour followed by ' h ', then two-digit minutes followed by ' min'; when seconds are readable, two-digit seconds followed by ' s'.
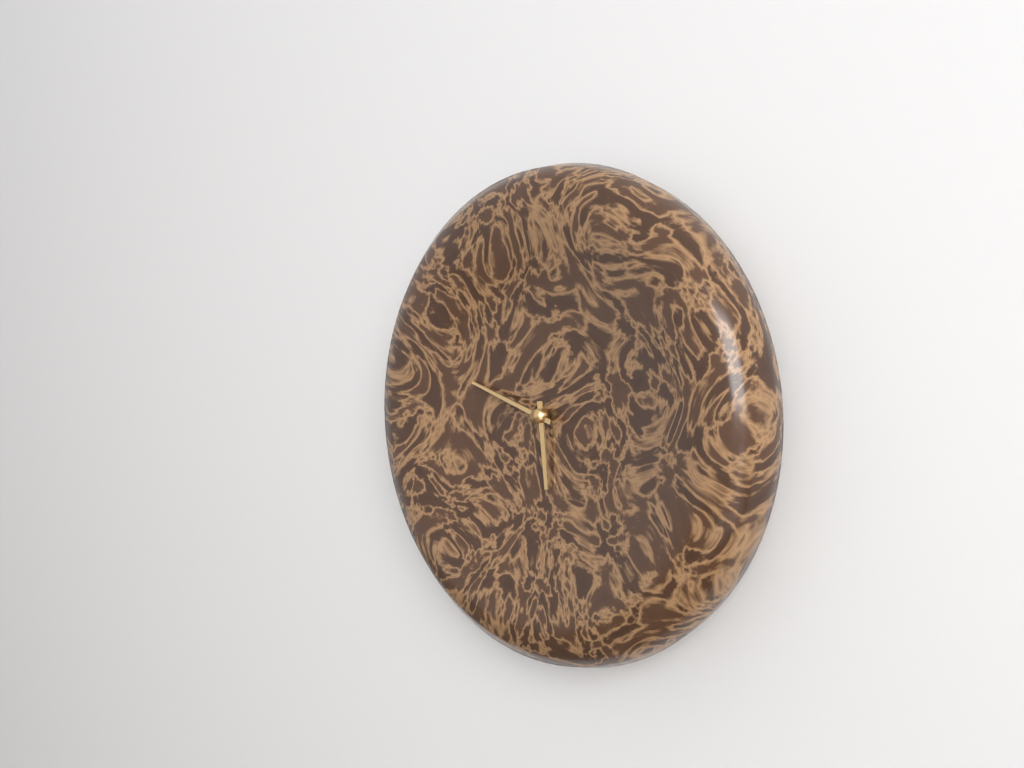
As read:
5 h 48 min
